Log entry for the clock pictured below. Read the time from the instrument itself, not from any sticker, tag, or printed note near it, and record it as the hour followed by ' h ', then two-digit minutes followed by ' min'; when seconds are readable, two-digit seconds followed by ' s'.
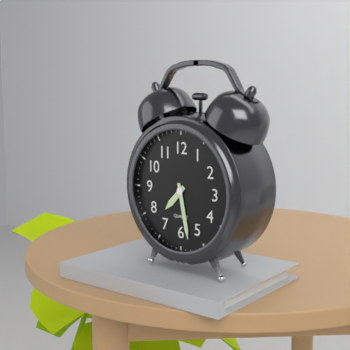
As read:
7 h 28 min
